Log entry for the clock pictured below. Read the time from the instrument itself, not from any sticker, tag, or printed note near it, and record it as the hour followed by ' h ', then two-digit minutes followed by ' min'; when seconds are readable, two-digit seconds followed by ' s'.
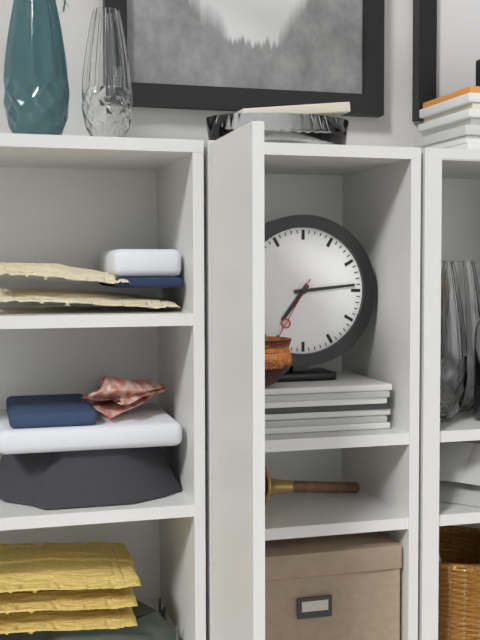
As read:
7 h 14 min 35 s
